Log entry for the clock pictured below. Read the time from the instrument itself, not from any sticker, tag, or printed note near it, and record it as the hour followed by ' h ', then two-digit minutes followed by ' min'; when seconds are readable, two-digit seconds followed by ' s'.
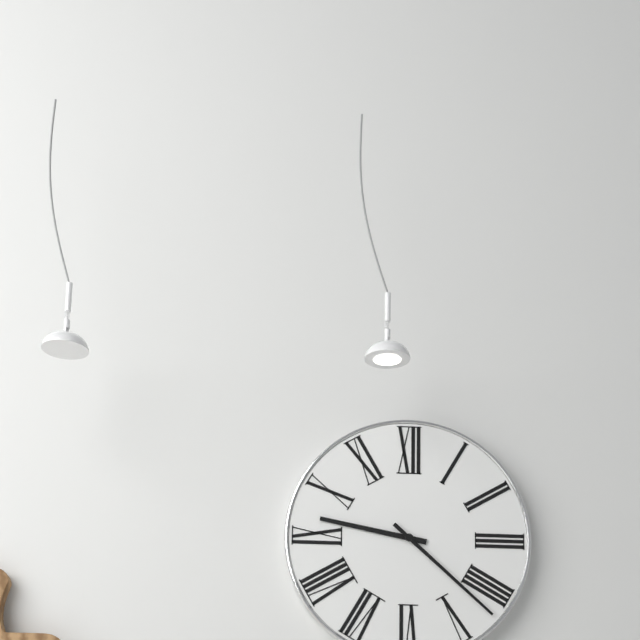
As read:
9 h 22 min
